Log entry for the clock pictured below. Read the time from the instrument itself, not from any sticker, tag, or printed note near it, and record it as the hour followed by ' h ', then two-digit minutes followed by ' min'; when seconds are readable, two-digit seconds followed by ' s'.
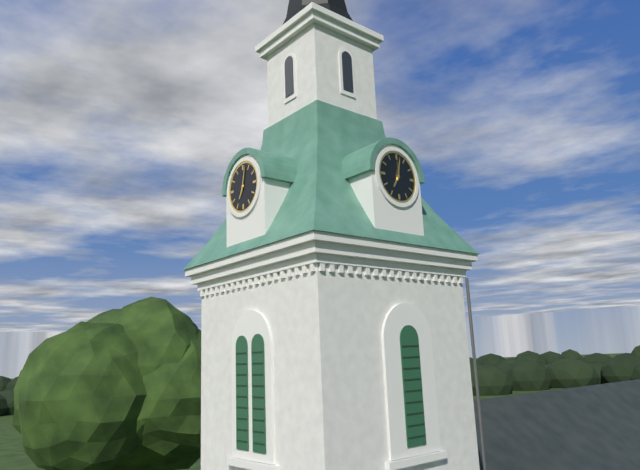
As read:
7 h 02 min
